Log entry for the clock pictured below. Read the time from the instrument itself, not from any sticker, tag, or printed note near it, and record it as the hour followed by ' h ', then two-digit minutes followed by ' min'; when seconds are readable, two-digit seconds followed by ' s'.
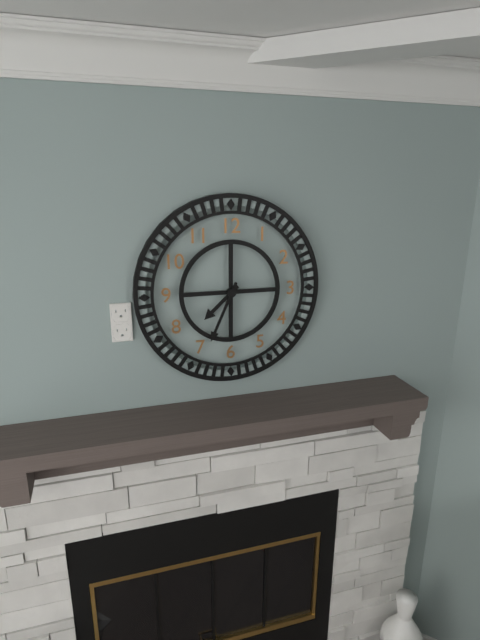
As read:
7 h 34 min
